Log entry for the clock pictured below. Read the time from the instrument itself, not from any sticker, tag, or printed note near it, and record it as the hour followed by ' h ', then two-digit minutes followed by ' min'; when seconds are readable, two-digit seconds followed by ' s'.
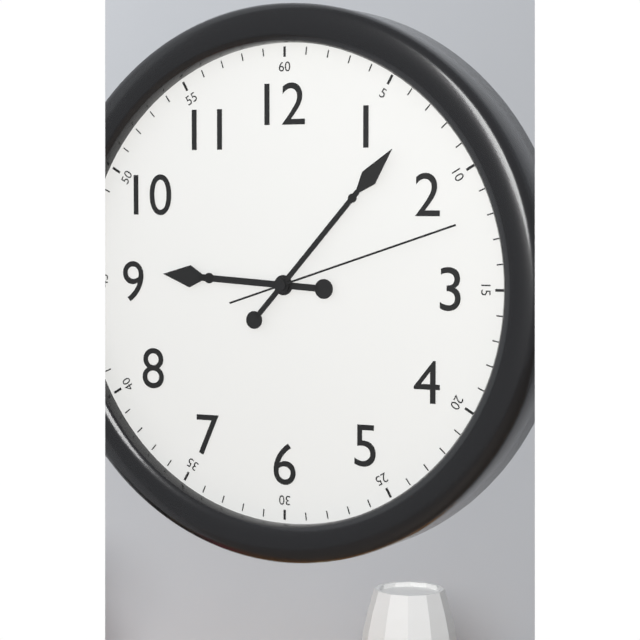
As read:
9 h 07 min 12 s
